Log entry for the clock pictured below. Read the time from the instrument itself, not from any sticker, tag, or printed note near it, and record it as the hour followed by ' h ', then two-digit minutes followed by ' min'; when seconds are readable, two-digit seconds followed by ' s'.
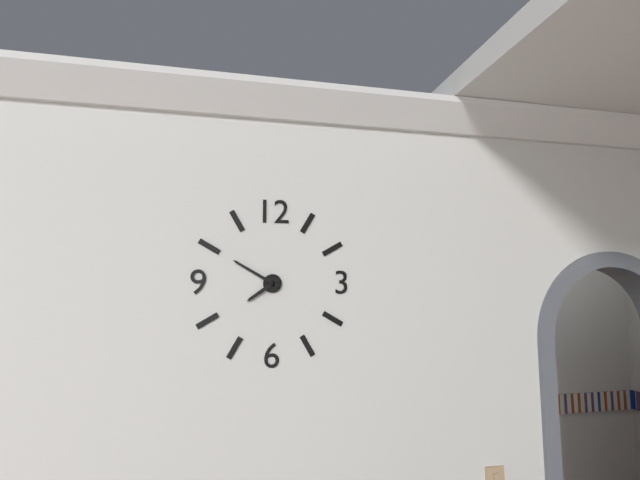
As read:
7 h 50 min
